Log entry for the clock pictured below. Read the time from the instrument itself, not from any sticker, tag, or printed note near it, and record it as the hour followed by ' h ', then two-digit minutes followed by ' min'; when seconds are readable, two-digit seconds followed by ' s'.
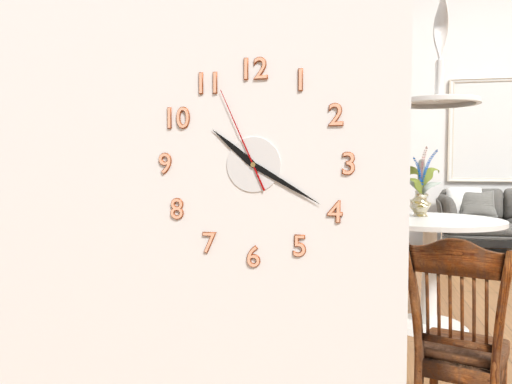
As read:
10 h 20 min 56 s
